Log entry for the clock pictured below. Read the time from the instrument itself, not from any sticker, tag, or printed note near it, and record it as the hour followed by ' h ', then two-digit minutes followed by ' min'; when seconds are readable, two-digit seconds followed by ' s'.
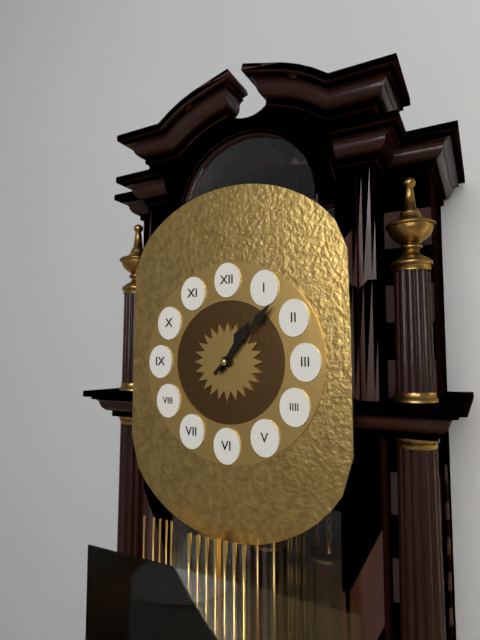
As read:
1 h 07 min
